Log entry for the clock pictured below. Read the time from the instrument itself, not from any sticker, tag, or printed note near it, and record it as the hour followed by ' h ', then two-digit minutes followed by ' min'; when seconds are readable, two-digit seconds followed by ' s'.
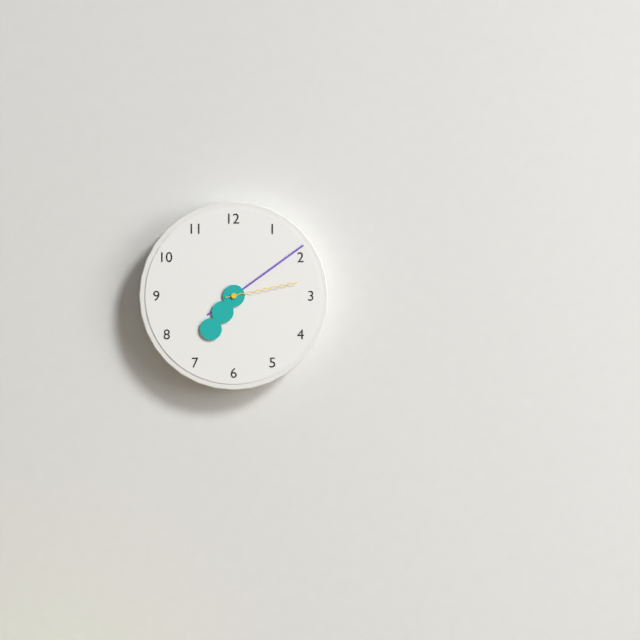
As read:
7 h 09 min 13 s
